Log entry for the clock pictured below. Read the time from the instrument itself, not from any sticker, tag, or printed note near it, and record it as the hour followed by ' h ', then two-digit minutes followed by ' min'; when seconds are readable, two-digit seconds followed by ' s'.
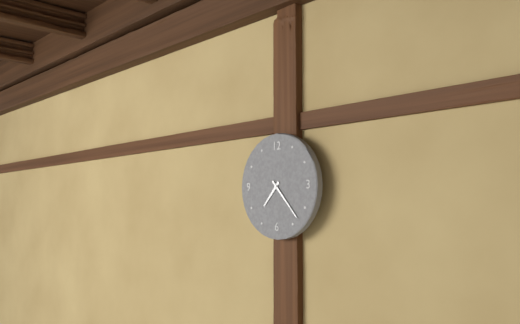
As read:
7 h 23 min
